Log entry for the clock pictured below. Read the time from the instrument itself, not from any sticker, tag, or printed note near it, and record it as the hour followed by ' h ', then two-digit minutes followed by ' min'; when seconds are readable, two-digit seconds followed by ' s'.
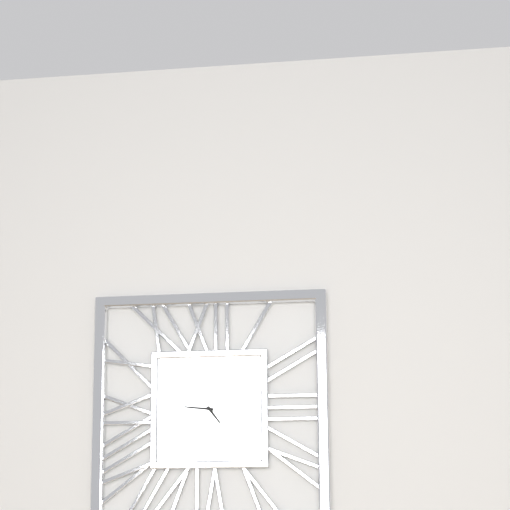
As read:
4 h 46 min
